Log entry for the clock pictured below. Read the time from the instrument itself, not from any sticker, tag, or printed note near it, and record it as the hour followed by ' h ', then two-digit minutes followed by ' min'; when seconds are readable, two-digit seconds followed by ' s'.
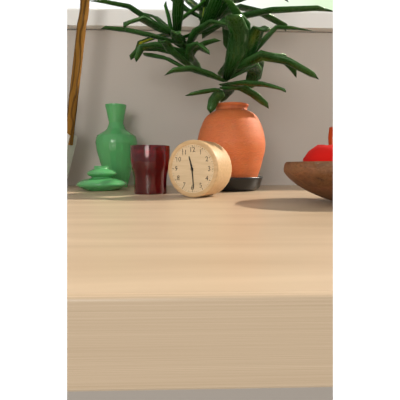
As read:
11 h 29 min
